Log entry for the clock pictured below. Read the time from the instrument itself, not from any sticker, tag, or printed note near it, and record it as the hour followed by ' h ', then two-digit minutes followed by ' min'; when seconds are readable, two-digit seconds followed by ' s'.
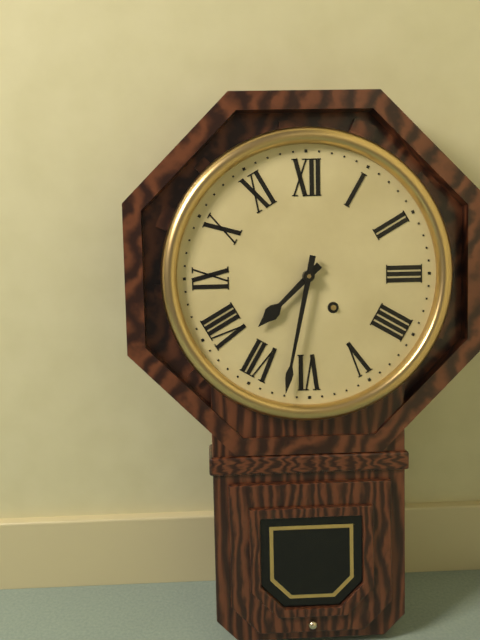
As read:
7 h 32 min
